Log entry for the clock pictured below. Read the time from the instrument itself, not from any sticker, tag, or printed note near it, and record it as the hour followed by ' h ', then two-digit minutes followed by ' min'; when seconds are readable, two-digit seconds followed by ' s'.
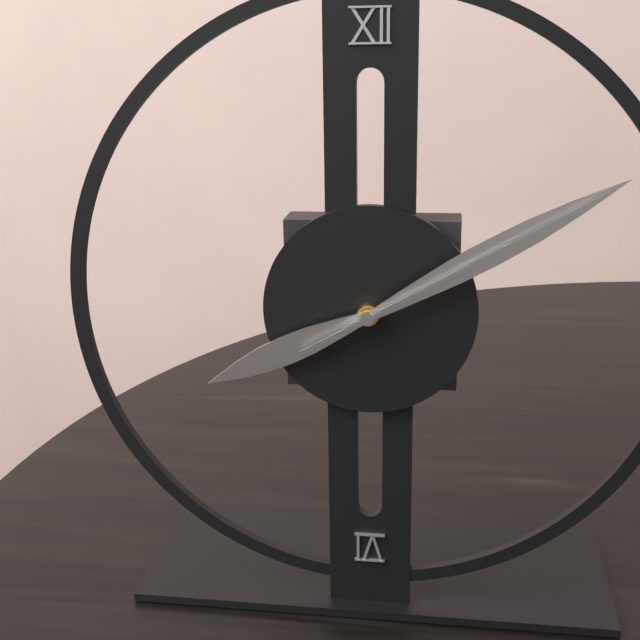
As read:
8 h 10 min 10 s
